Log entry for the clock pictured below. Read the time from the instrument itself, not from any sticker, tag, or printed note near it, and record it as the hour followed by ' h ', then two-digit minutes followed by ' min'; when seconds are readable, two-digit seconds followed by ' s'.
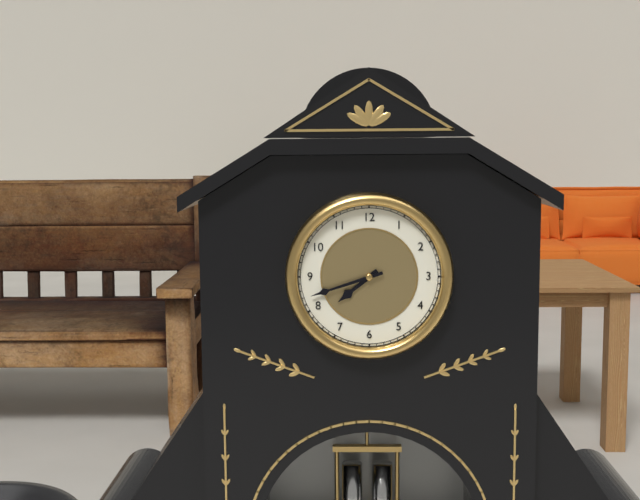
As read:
7 h 42 min
